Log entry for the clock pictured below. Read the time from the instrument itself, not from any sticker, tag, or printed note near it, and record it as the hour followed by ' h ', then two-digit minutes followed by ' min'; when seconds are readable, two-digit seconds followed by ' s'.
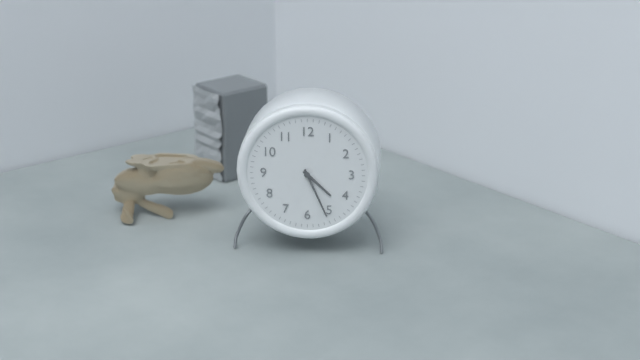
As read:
4 h 26 min
